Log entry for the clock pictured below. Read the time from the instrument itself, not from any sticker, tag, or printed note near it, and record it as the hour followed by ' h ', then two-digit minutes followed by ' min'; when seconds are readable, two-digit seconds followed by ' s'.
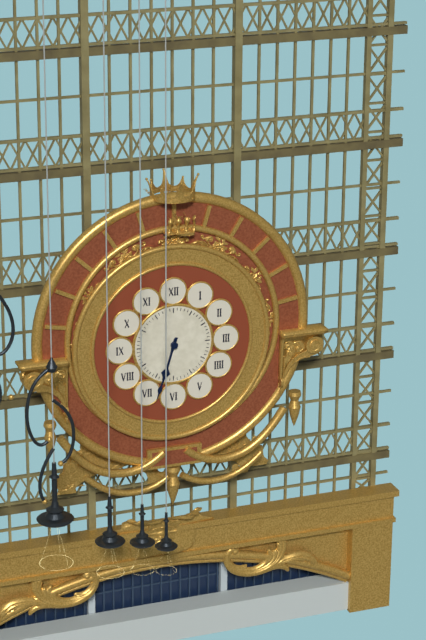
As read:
6 h 33 min
